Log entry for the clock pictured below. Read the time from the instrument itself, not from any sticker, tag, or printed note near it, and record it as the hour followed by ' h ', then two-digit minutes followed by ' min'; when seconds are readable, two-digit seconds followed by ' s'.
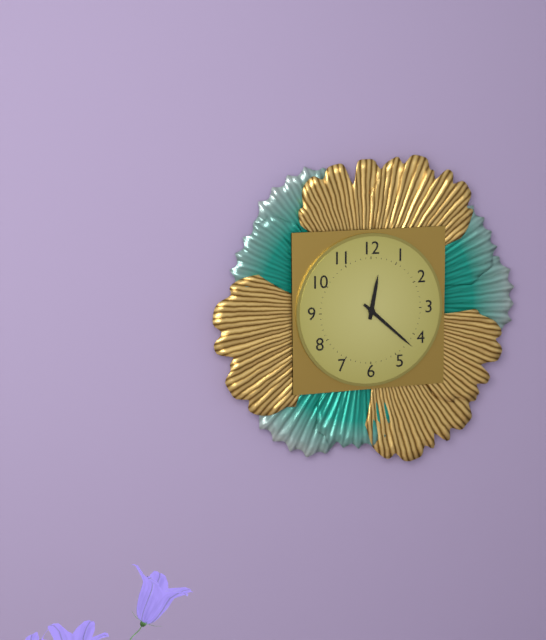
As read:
12 h 22 min
